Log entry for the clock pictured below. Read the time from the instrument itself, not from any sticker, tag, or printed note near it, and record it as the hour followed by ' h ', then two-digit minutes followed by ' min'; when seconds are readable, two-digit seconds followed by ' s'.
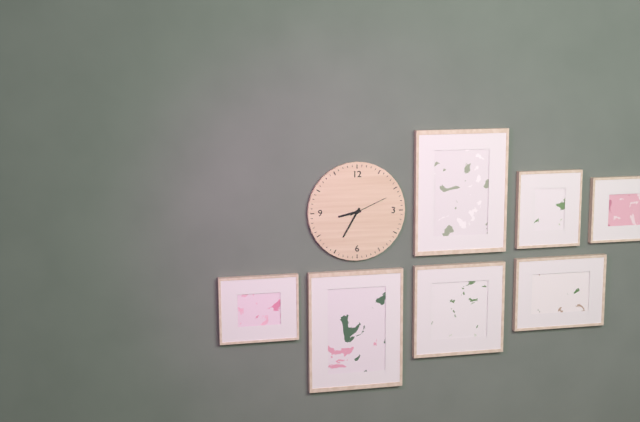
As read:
8 h 35 min
